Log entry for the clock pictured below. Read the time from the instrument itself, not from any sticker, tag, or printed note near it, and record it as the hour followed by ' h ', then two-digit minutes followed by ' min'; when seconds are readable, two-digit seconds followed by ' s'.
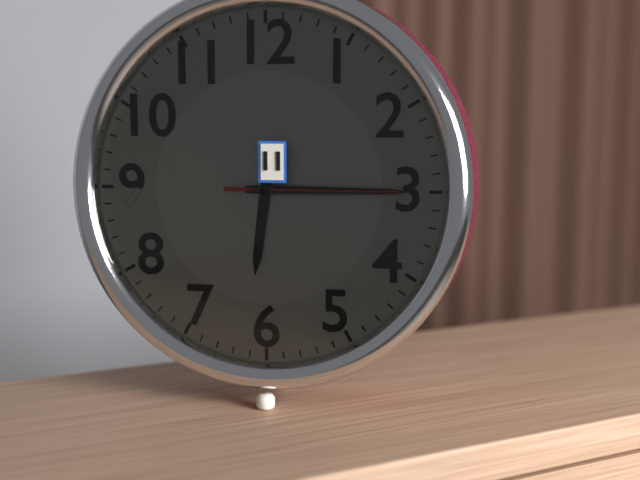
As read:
6 h 15 min 15 s
